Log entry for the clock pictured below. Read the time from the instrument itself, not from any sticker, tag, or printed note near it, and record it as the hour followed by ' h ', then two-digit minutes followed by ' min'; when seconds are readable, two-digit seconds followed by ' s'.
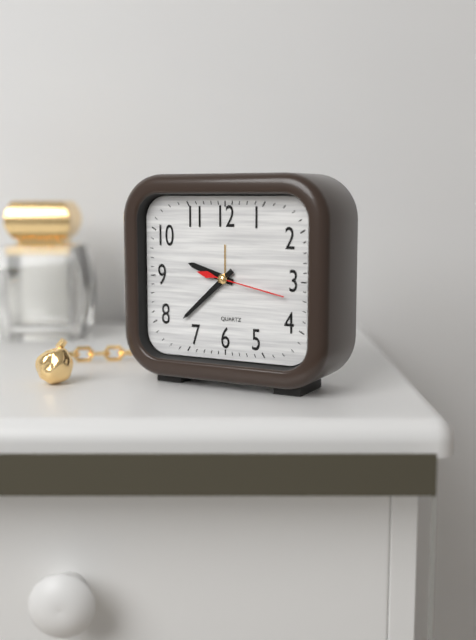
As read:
9 h 38 min 17 s
